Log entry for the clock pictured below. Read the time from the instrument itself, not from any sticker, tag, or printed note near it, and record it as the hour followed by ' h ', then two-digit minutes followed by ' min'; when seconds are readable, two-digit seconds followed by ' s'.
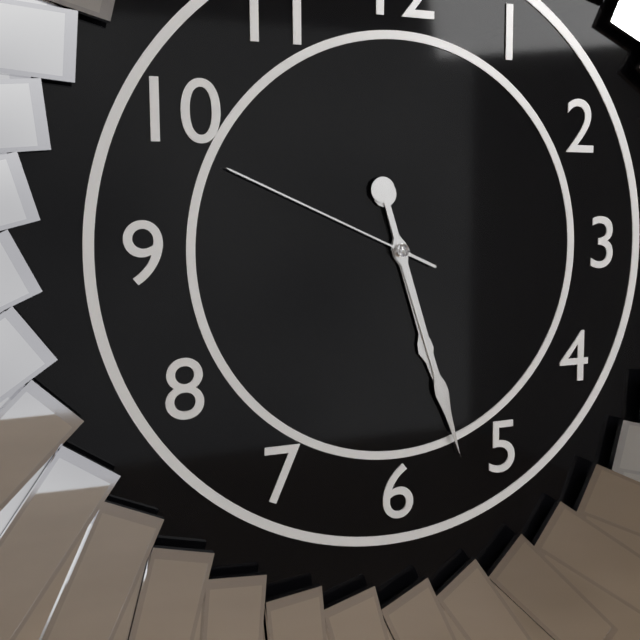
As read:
5 h 27 min 49 s
